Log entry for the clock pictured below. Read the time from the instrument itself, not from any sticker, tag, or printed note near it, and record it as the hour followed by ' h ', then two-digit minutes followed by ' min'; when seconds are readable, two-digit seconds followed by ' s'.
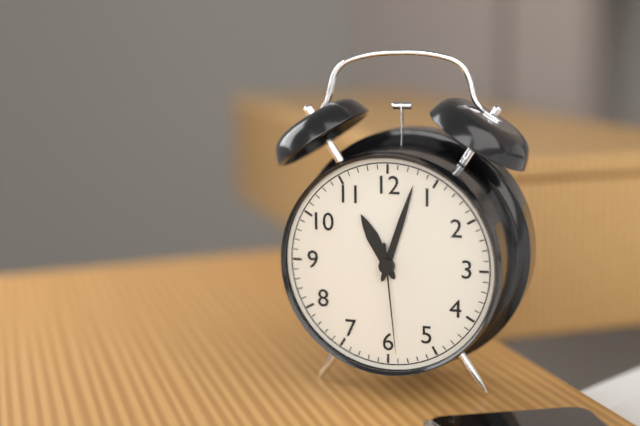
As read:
11 h 03 min 29 s
